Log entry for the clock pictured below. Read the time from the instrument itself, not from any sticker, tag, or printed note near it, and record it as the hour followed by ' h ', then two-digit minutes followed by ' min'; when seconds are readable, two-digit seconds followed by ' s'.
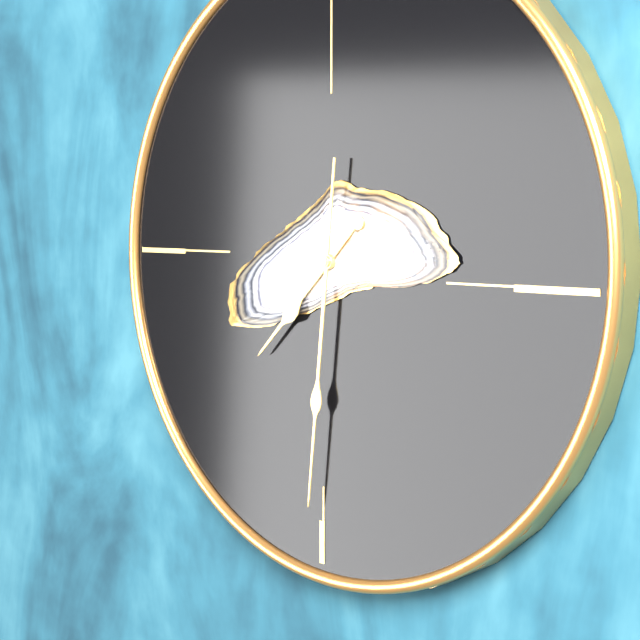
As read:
7 h 31 min
